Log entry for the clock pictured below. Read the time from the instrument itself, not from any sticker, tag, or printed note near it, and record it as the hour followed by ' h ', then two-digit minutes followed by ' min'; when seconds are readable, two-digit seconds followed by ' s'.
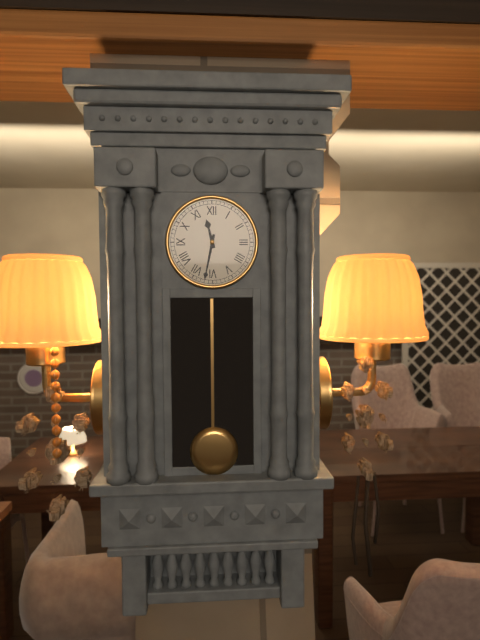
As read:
11 h 32 min
